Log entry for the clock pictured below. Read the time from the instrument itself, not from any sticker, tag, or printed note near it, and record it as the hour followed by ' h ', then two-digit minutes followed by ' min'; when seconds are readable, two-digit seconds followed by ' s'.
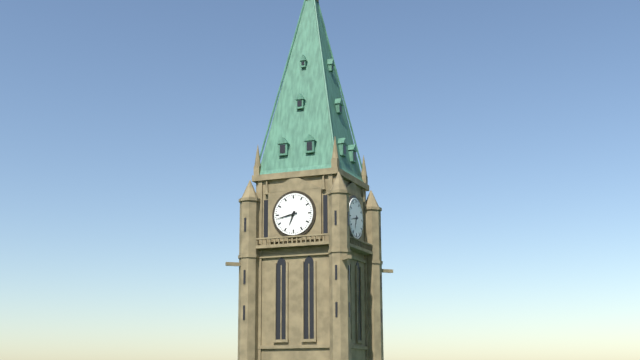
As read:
6 h 43 min
